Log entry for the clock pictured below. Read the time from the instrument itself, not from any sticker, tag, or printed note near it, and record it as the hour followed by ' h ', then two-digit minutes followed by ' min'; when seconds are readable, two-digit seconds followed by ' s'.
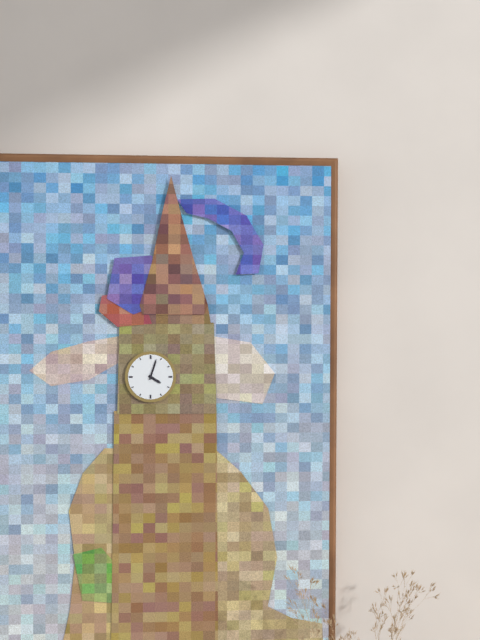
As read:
4 h 03 min
